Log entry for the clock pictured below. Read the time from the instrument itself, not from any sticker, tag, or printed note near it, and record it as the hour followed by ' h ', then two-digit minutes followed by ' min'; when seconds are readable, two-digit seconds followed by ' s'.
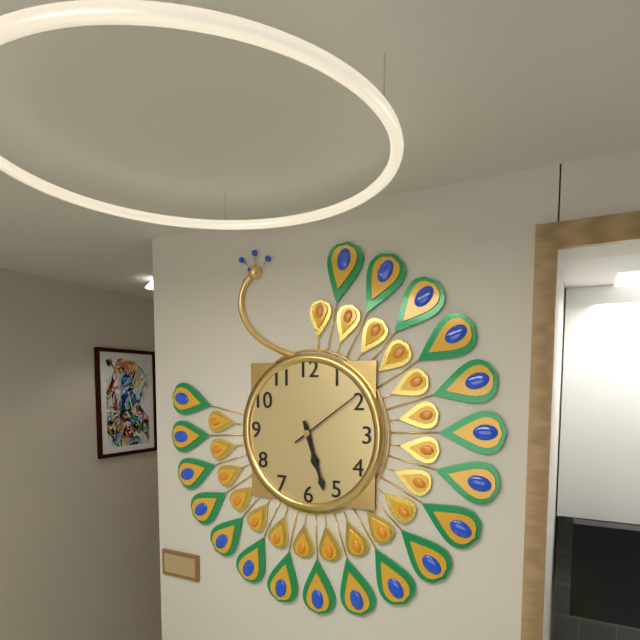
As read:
5 h 27 min 09 s
